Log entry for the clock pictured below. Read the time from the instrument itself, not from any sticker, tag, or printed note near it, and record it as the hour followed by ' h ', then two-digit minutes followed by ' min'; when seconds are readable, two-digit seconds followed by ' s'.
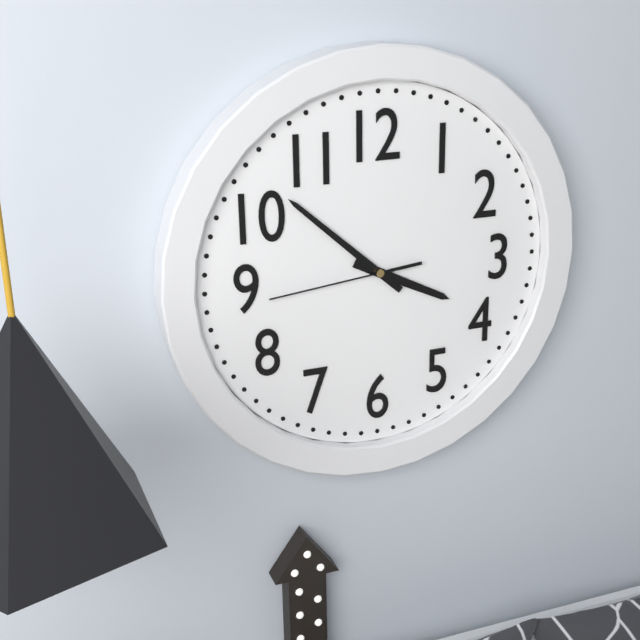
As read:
3 h 52 min 44 s
